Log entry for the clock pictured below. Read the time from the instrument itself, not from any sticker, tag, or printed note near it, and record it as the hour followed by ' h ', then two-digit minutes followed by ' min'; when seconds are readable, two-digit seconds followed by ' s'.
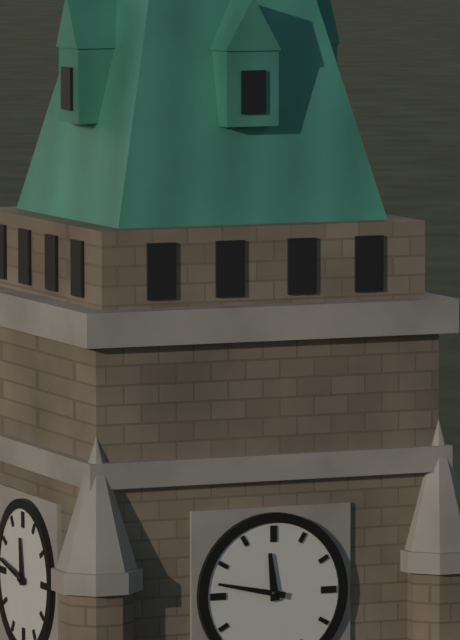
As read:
11 h 47 min
